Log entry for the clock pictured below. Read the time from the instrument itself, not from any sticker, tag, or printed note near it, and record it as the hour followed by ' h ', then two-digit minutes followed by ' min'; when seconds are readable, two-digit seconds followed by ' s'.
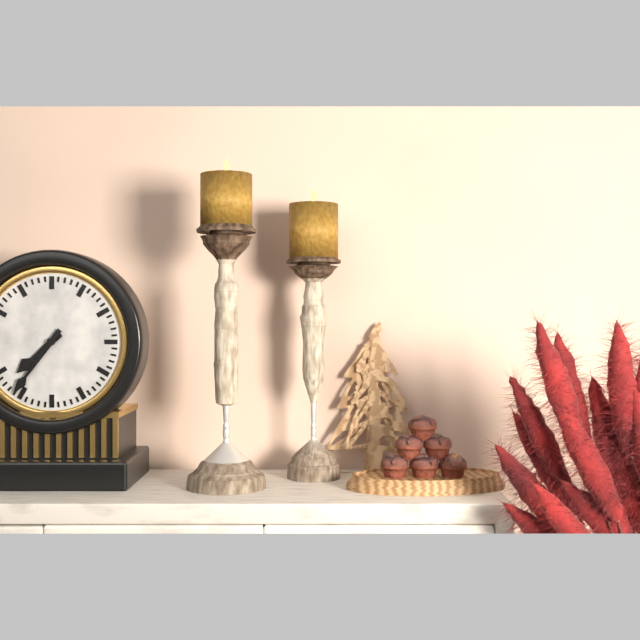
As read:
7 h 36 min
